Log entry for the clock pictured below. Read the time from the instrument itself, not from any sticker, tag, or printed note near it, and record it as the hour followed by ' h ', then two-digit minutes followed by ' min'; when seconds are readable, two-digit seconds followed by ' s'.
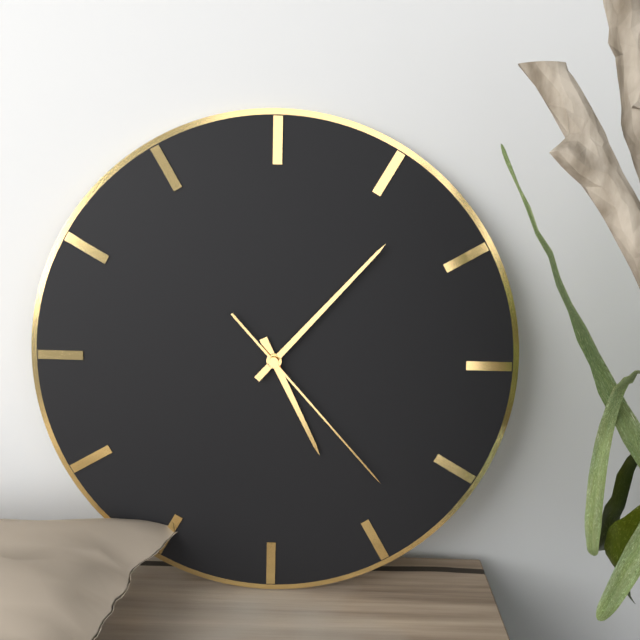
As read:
5 h 07 min 23 s
